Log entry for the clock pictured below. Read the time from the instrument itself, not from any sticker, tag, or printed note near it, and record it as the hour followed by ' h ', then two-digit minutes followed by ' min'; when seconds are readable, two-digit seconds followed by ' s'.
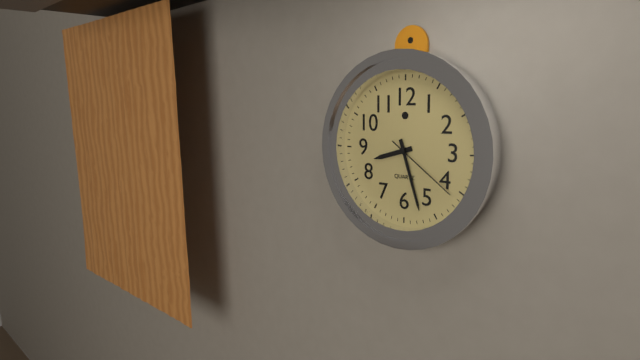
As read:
8 h 27 min 21 s
